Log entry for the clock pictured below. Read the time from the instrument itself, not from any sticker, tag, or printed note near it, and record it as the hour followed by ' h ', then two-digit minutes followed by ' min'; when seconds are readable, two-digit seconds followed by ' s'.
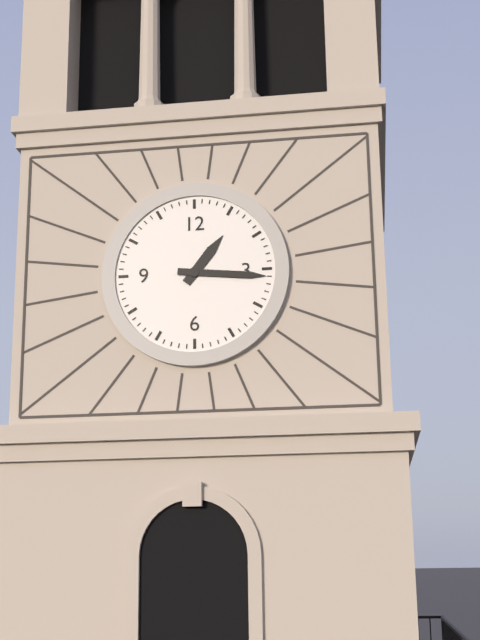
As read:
1 h 16 min
